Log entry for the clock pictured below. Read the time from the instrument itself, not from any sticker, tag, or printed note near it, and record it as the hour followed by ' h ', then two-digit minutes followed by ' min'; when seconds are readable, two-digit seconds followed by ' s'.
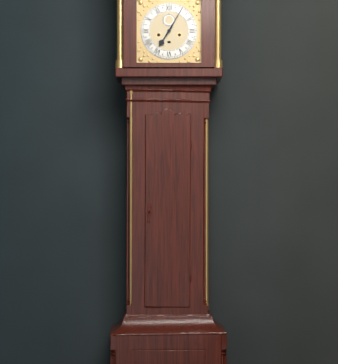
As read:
7 h 05 min
